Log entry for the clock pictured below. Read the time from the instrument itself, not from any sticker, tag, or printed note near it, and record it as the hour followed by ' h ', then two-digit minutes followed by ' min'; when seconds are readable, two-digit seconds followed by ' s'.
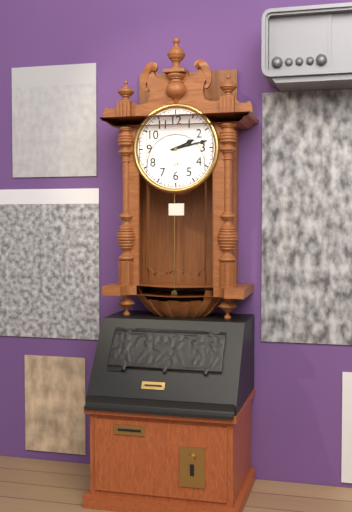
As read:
2 h 13 min
